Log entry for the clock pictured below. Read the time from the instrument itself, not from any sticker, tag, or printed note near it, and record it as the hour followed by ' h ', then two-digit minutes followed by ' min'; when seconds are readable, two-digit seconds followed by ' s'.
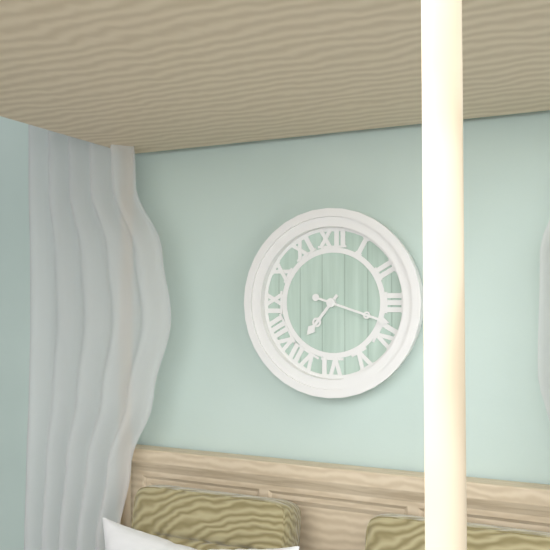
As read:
7 h 18 min
